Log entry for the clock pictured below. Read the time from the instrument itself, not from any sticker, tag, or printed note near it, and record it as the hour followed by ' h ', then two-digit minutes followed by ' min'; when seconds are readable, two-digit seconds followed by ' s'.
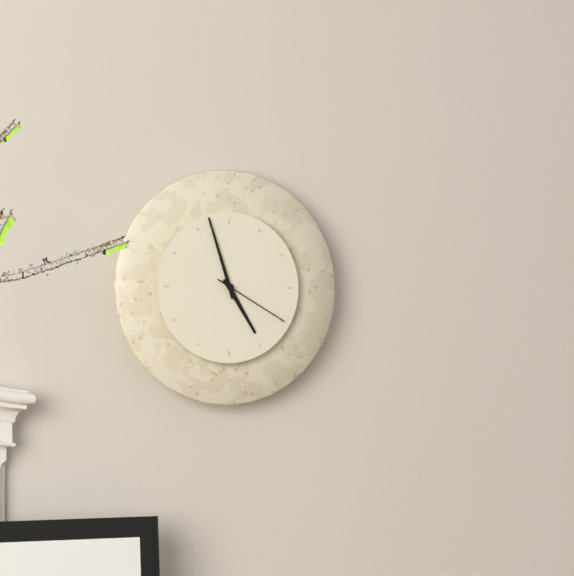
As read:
4 h 57 min 20 s
